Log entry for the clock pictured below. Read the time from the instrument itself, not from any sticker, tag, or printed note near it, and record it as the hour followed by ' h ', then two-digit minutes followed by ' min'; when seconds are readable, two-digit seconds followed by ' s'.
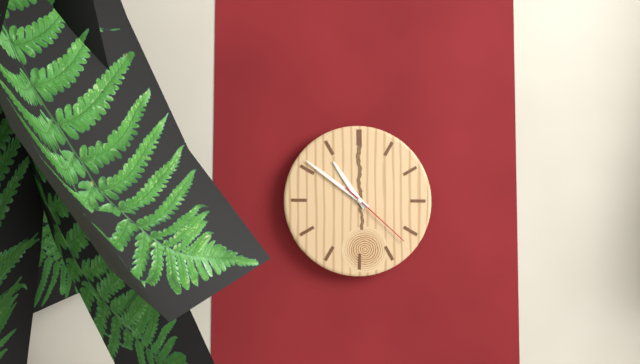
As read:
10 h 51 min 22 s
